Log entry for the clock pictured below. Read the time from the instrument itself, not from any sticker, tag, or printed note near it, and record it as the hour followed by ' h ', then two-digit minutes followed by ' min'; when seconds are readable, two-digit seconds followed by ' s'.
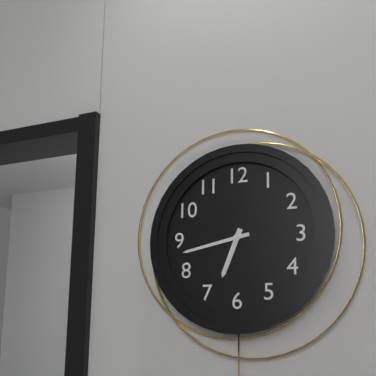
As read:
6 h 43 min
